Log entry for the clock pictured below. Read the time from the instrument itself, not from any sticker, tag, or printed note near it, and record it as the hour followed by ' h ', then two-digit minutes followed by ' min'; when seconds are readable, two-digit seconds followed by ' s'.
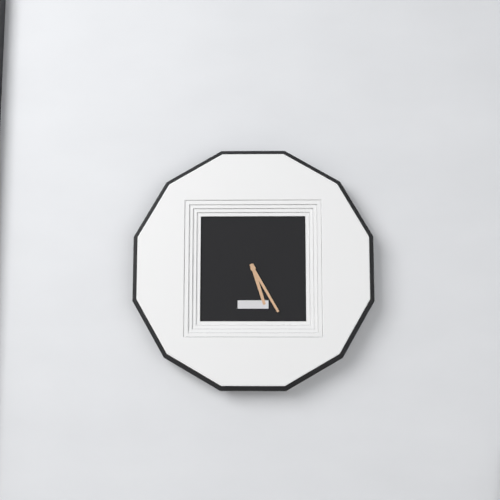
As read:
5 h 25 min
